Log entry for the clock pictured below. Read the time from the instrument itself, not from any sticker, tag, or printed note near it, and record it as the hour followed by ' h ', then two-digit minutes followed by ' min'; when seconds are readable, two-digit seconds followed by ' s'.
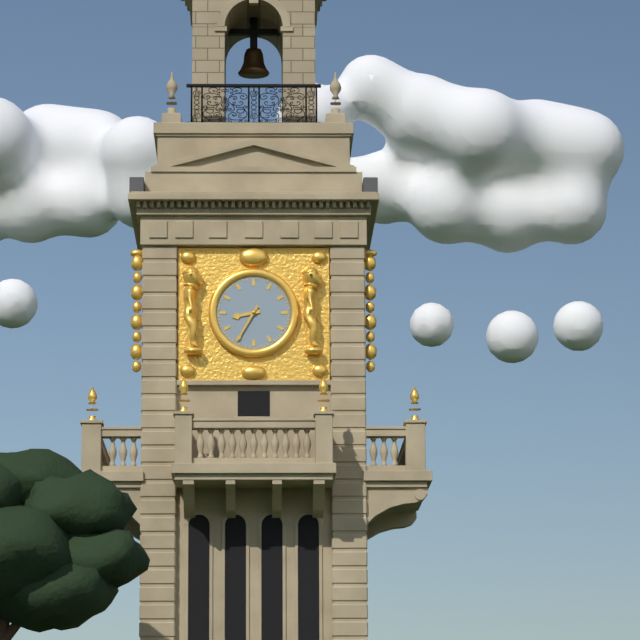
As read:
8 h 35 min
